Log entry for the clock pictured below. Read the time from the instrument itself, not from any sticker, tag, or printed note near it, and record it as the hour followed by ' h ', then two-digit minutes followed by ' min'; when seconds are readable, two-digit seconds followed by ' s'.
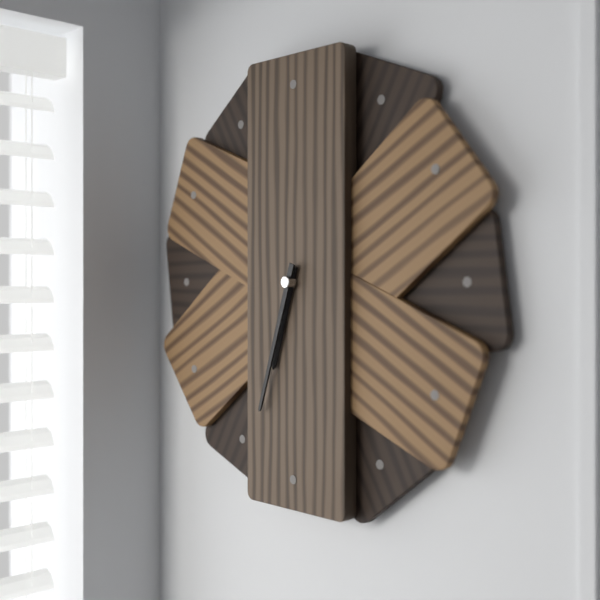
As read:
6 h 33 min
